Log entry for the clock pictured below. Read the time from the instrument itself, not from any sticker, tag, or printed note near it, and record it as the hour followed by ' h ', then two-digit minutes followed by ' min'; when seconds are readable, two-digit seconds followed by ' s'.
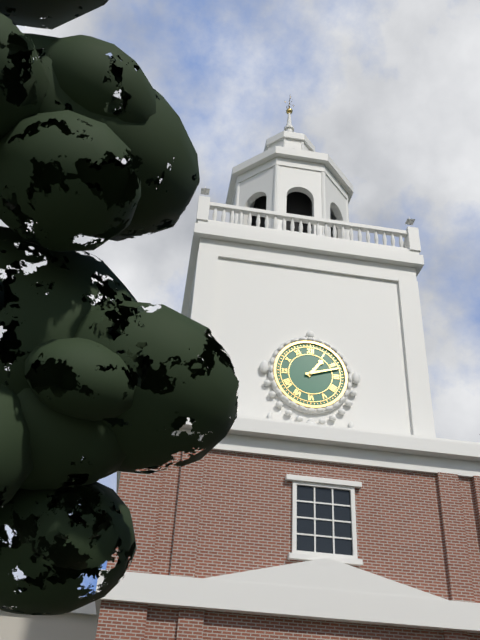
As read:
1 h 12 min
